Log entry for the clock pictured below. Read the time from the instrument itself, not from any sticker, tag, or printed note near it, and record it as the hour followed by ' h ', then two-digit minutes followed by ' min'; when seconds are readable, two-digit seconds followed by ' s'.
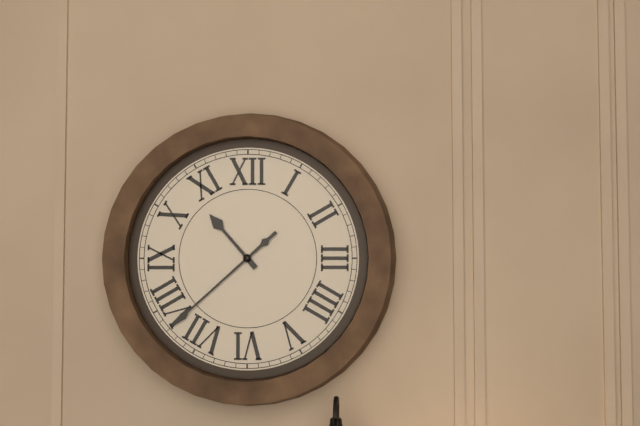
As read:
10 h 38 min
